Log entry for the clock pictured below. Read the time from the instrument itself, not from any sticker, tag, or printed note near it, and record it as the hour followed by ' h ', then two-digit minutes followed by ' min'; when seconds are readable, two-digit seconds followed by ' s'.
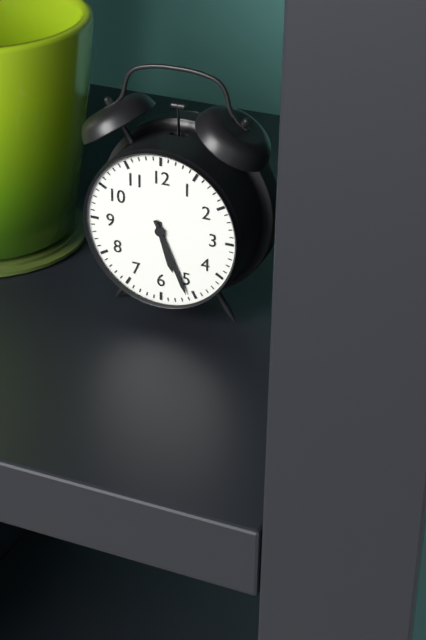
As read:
5 h 26 min
